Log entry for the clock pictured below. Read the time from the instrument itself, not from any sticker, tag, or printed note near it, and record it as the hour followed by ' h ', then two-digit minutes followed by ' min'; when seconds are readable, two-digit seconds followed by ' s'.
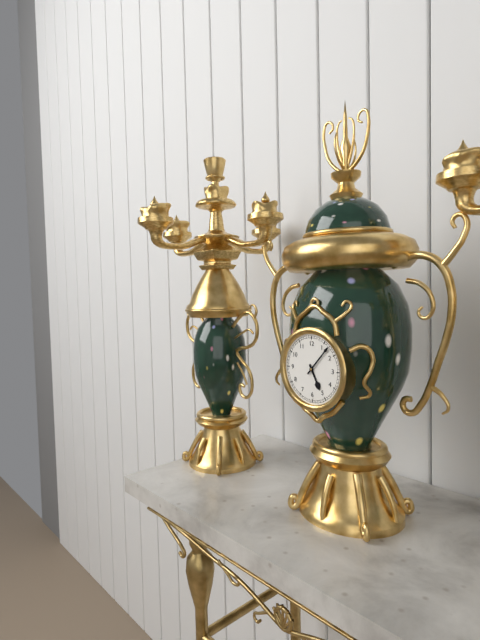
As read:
5 h 07 min
